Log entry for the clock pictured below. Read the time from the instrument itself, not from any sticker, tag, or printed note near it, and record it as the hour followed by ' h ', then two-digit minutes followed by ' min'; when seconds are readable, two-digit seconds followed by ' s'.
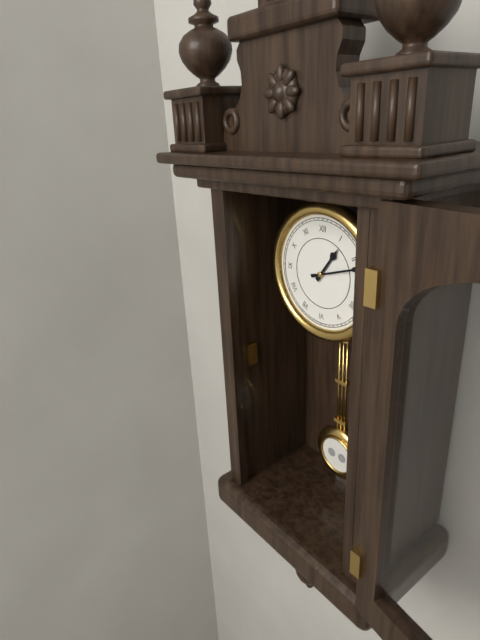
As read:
1 h 12 min
